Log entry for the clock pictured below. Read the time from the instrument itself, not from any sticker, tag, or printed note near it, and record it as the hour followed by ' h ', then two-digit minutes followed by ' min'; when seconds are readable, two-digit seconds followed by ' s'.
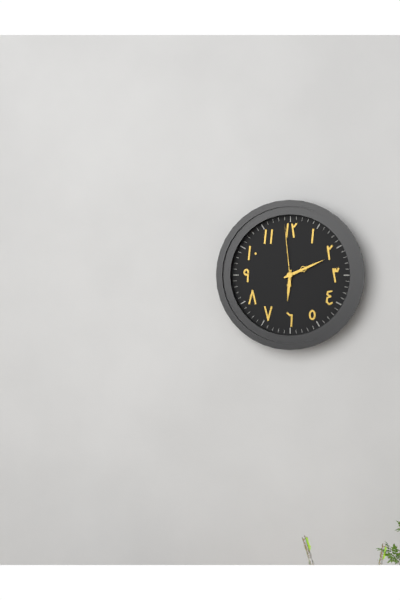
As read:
6 h 11 min 59 s
